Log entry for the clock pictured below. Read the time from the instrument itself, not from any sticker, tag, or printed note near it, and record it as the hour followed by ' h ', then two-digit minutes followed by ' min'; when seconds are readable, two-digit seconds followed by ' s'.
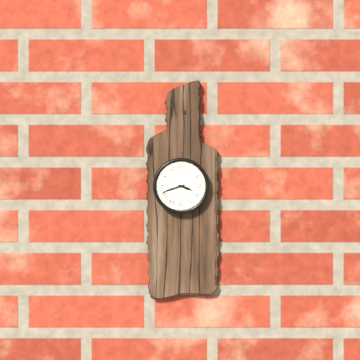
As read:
3 h 42 min
